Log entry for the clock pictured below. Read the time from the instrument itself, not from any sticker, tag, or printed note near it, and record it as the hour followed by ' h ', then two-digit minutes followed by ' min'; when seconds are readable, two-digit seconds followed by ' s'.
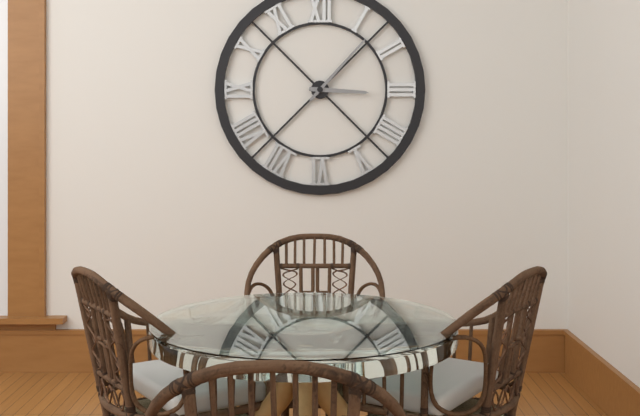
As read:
3 h 07 min
